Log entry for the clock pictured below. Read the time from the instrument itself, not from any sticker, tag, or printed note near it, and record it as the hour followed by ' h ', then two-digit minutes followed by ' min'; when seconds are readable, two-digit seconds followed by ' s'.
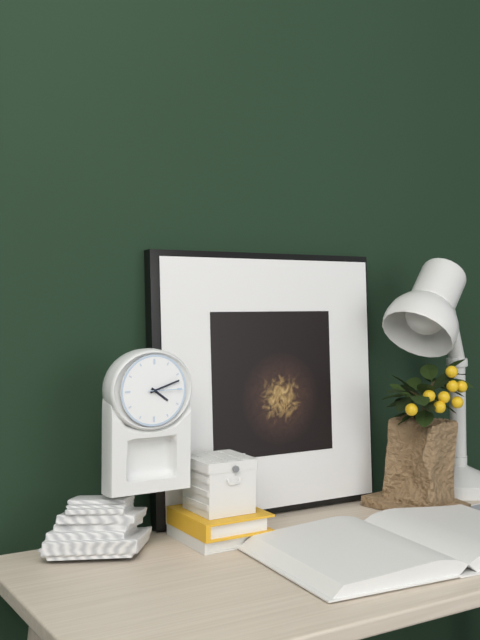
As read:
4 h 12 min
